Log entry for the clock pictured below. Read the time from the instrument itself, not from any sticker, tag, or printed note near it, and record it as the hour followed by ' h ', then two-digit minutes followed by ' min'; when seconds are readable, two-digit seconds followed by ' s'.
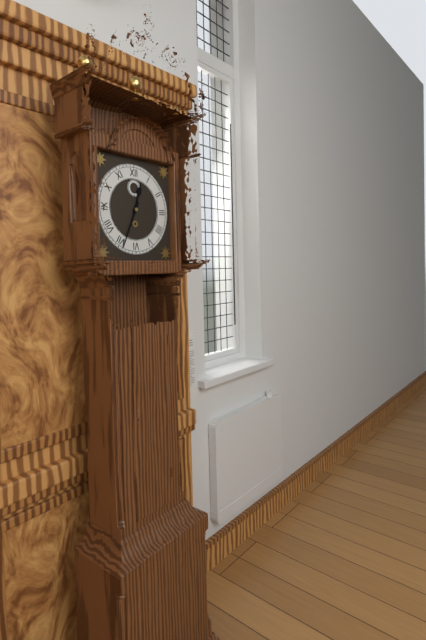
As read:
12 h 34 min
